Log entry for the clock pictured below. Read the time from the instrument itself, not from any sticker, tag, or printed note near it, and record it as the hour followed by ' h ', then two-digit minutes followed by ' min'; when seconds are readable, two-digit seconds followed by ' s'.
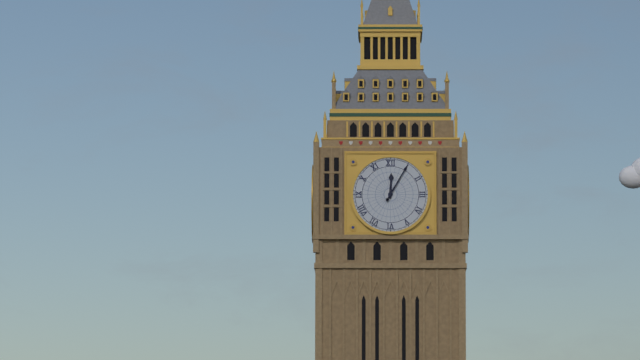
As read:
12 h 05 min
